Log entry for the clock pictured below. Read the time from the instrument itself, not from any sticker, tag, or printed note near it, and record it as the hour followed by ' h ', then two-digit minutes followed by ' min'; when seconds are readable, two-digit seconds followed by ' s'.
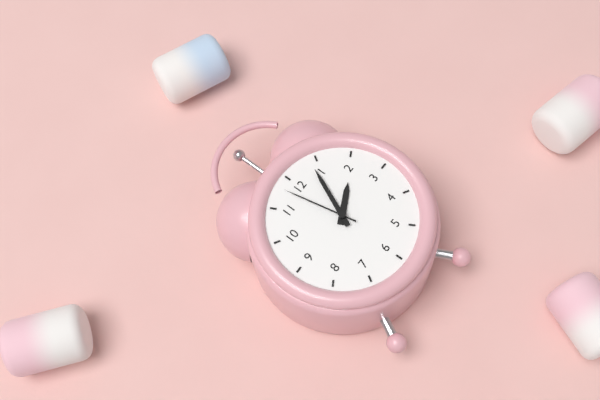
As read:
2 h 04 min 58 s
